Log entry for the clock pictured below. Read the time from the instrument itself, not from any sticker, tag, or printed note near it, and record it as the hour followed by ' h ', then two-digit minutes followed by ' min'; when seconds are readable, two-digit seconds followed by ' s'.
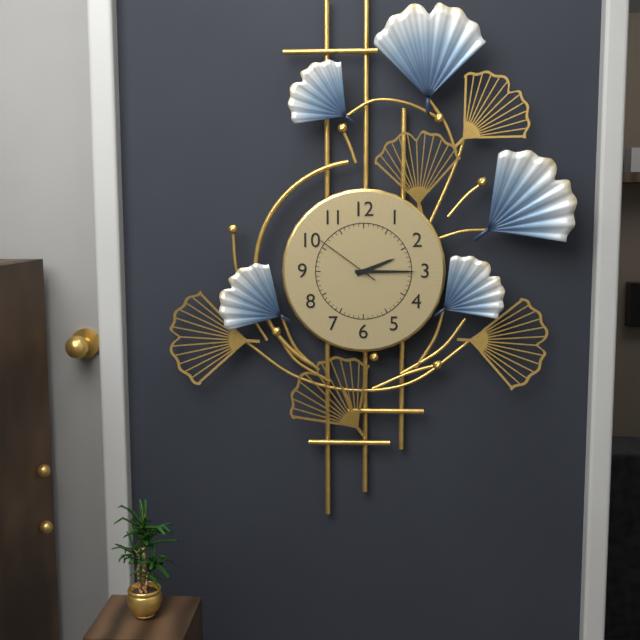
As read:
2 h 15 min 51 s
